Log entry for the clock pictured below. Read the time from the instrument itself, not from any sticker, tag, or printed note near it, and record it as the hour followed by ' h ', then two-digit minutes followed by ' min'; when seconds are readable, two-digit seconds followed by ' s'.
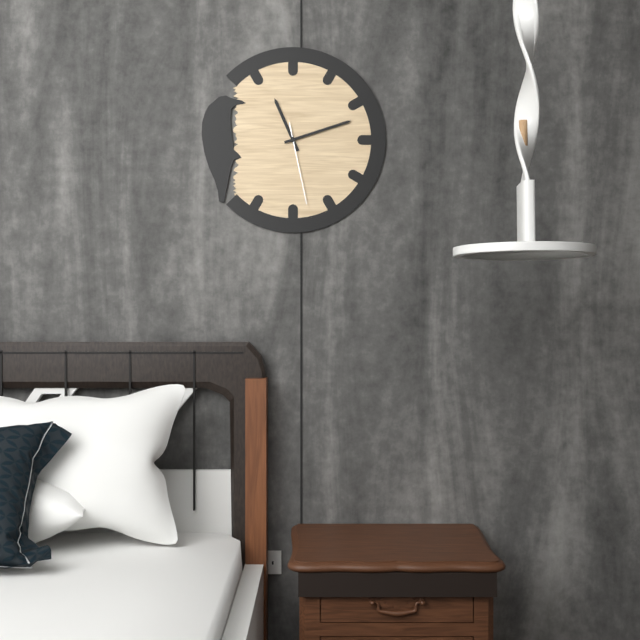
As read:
11 h 12 min 28 s
